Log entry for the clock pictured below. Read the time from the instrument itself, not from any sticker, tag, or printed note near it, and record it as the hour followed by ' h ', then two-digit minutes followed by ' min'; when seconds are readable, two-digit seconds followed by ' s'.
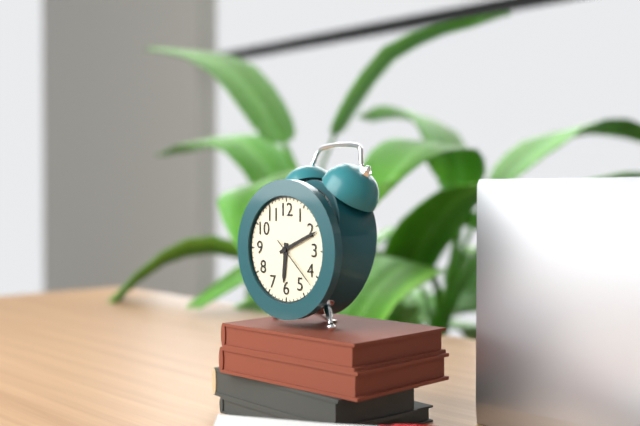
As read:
6 h 11 min 22 s
